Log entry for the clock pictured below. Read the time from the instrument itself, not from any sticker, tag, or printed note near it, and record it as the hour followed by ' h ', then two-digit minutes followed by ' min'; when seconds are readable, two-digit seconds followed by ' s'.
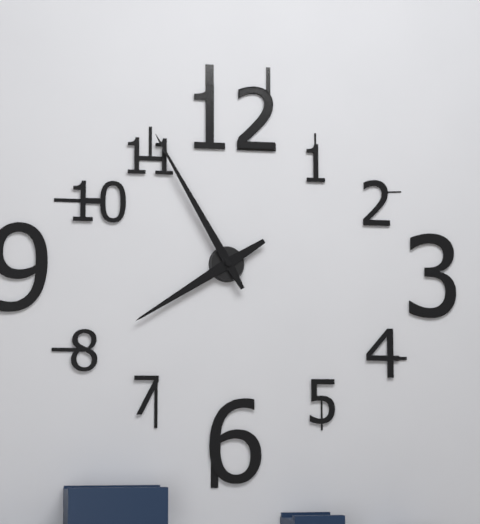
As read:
7 h 55 min
